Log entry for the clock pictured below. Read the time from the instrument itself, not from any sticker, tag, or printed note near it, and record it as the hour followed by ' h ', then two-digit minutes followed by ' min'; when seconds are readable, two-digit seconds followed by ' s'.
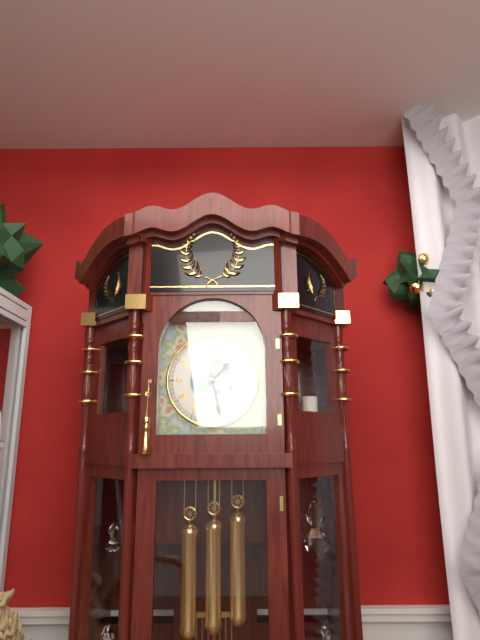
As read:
1 h 28 min
